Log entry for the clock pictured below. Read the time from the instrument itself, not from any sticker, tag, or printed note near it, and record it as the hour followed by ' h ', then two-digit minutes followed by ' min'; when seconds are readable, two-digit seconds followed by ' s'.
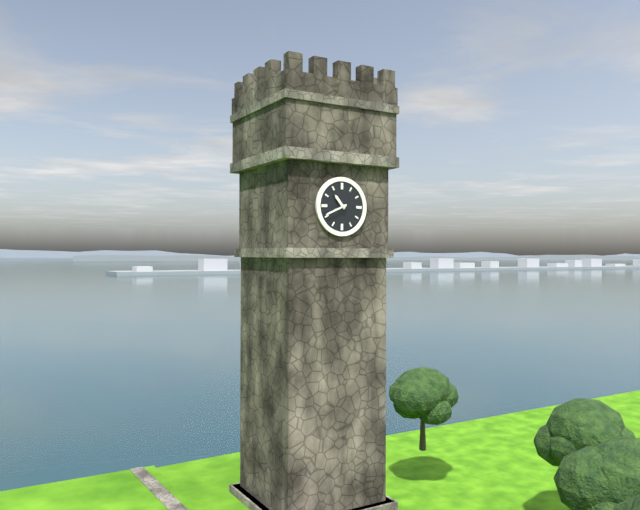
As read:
10 h 41 min
